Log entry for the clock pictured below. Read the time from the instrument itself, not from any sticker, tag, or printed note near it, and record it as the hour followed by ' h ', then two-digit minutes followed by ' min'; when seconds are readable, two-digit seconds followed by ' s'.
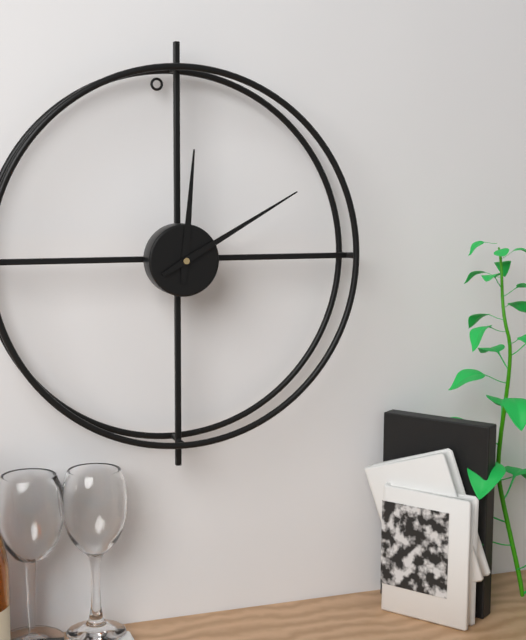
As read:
12 h 10 min
